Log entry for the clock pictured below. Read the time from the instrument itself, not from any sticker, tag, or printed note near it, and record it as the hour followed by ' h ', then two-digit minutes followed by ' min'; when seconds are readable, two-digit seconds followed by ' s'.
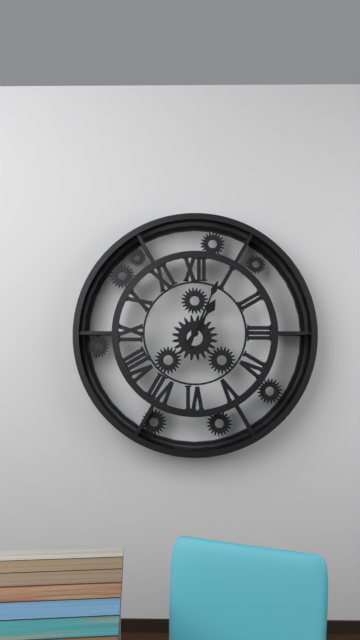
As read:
1 h 04 min
